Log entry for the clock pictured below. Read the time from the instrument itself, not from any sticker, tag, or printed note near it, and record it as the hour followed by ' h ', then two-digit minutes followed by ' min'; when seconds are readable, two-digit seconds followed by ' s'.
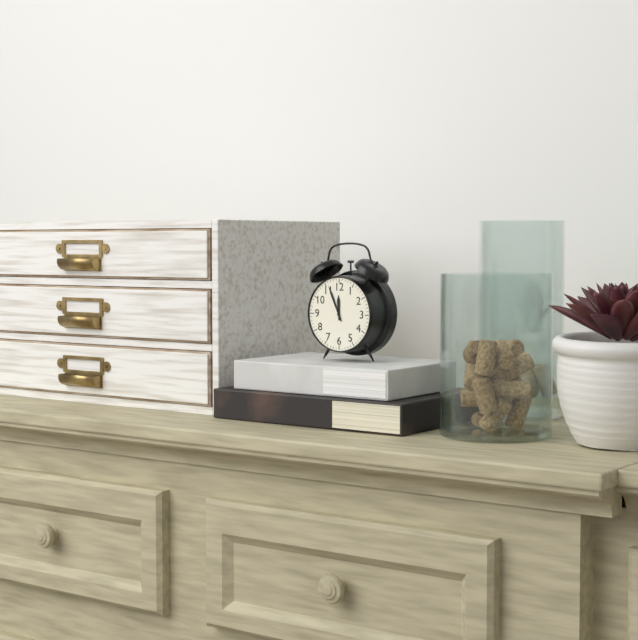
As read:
11 h 56 min
